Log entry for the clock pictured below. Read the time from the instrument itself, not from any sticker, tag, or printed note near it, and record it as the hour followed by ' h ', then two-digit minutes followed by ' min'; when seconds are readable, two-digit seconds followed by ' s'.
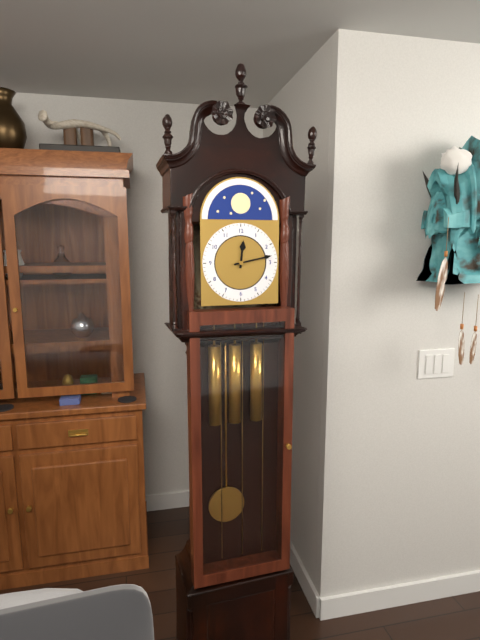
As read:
12 h 13 min
